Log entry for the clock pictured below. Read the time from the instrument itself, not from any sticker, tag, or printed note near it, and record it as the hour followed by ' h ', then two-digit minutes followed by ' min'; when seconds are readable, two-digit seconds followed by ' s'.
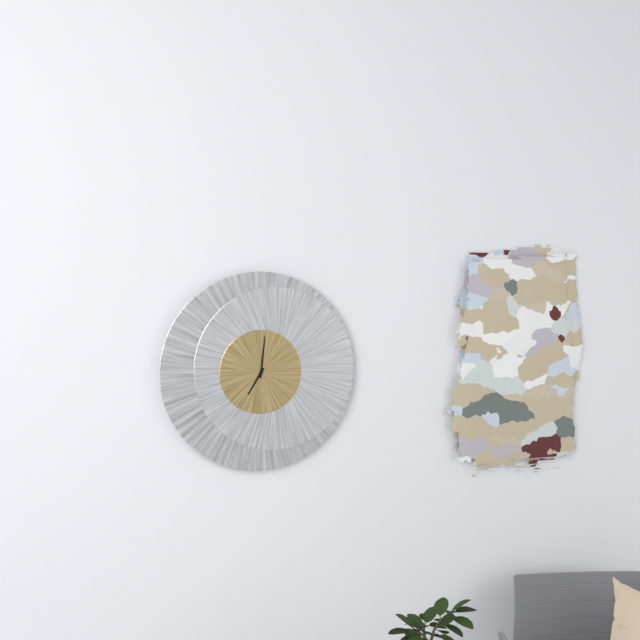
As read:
7 h 01 min
